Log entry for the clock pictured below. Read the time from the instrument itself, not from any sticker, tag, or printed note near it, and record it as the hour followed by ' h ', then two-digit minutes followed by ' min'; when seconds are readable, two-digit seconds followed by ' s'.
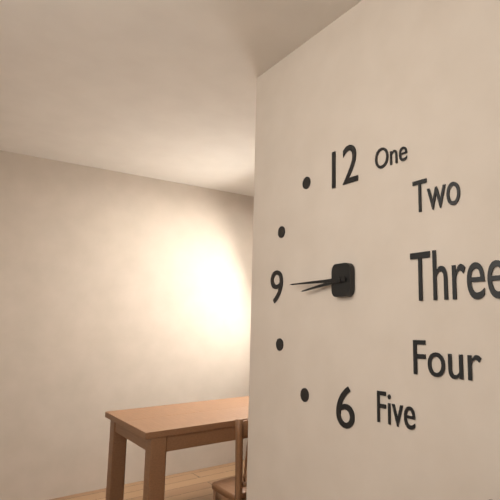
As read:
8 h 45 min
